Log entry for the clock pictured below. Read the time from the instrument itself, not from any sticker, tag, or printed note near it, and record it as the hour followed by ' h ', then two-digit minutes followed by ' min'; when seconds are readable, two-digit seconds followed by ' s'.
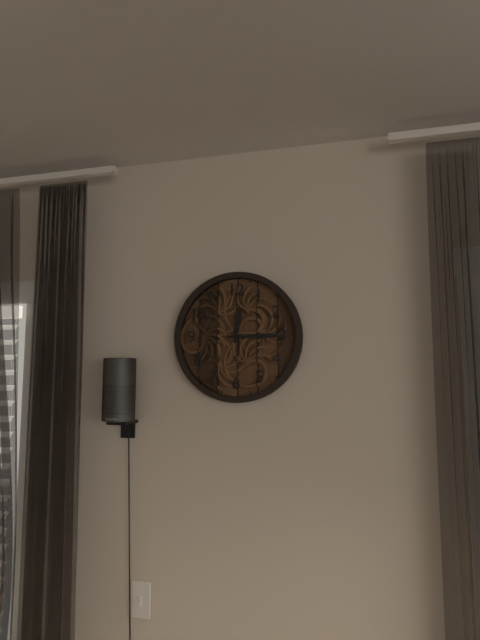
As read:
12 h 15 min
